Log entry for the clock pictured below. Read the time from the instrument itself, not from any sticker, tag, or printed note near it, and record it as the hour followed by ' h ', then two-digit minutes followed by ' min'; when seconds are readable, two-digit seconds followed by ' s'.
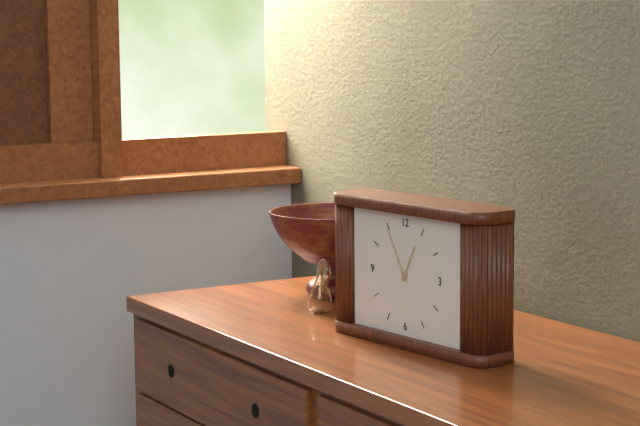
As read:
12 h 55 min
